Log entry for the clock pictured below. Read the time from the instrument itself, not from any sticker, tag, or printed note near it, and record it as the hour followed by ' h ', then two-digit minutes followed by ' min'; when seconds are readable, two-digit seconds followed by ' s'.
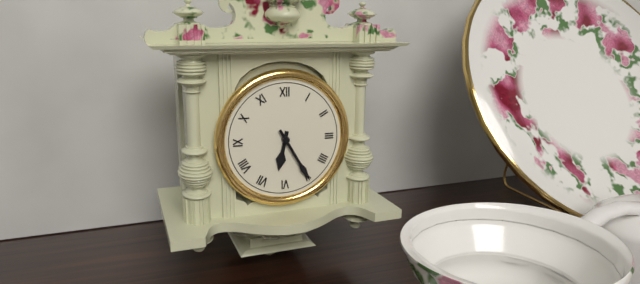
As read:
6 h 25 min
